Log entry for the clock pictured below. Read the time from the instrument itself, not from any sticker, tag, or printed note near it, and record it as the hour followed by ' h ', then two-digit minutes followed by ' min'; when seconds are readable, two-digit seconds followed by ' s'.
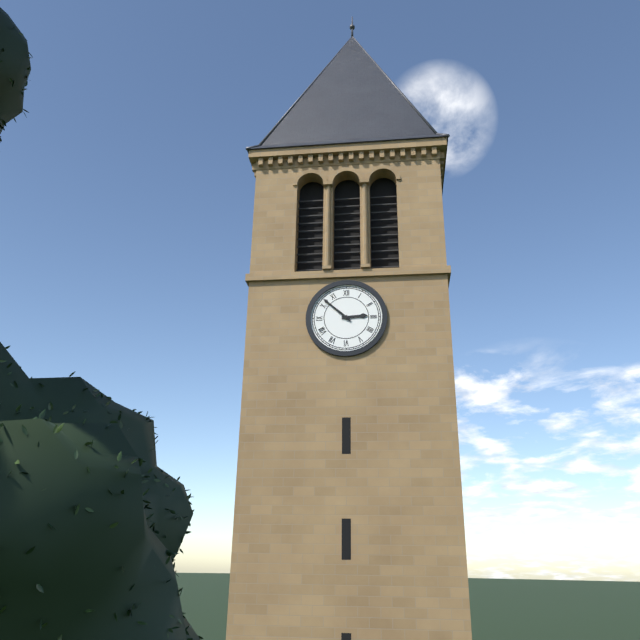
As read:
2 h 52 min
